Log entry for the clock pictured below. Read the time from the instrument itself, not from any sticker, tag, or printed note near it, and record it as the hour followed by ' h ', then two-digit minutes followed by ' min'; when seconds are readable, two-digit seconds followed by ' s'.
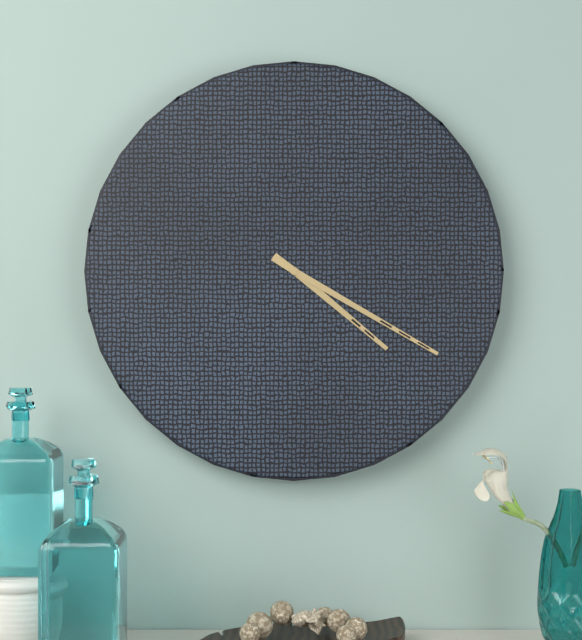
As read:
4 h 20 min
